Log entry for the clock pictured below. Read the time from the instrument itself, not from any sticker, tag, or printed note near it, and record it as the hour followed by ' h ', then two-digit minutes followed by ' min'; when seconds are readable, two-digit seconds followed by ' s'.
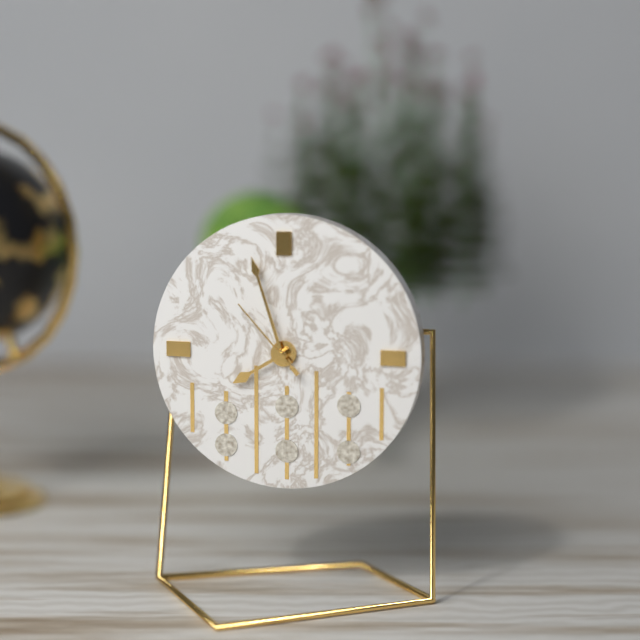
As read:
7 h 57 min 53 s
